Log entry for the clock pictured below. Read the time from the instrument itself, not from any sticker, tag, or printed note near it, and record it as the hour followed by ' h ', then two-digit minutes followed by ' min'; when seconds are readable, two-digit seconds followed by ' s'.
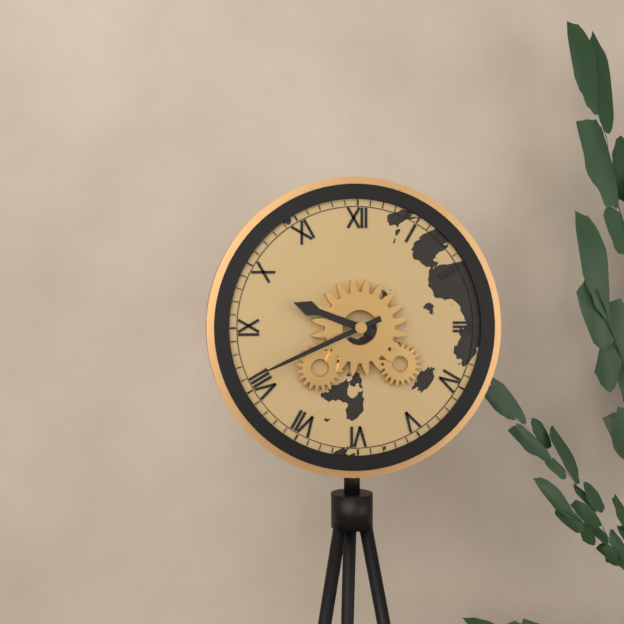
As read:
9 h 41 min
